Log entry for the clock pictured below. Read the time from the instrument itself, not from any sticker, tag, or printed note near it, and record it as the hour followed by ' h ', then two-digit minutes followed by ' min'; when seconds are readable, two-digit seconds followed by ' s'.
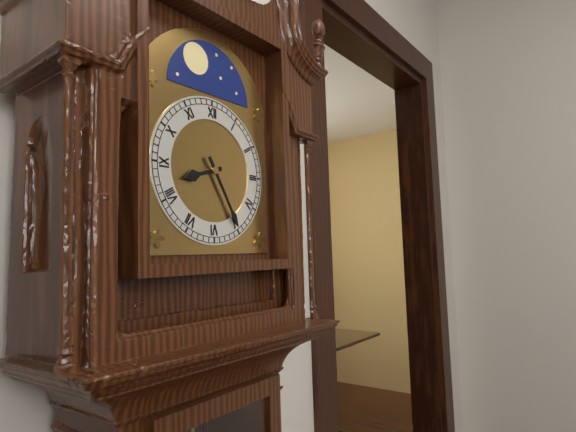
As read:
8 h 25 min
